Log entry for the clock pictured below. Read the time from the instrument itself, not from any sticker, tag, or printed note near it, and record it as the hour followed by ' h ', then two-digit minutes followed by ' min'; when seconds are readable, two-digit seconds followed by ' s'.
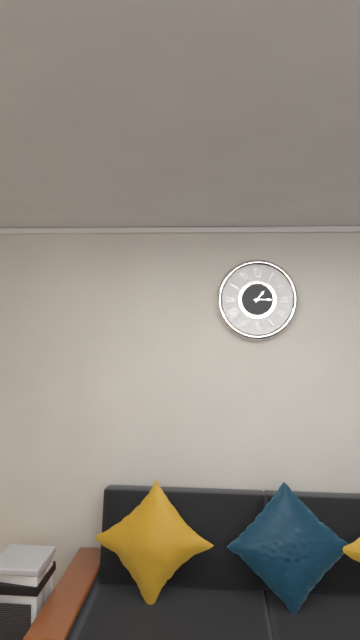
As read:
1 h 15 min
